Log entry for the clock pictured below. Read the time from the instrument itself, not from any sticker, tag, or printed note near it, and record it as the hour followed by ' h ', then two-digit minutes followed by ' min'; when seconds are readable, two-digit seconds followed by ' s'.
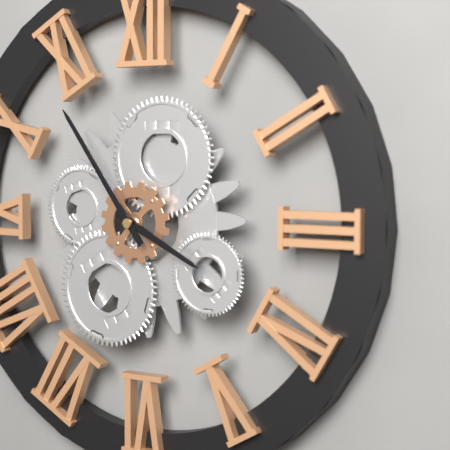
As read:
3 h 54 min
